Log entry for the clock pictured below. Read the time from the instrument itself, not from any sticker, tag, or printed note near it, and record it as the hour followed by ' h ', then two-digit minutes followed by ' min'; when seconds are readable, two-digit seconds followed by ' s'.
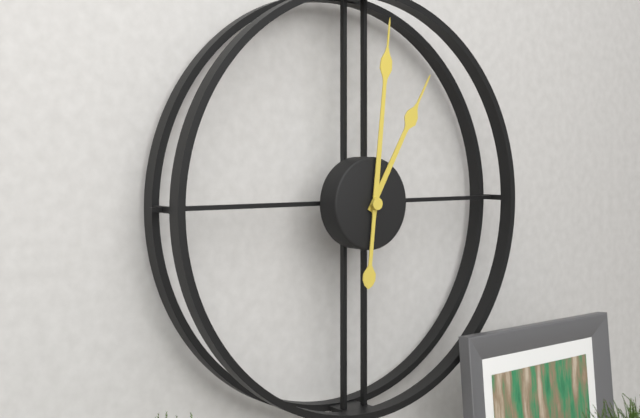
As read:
1 h 01 min
